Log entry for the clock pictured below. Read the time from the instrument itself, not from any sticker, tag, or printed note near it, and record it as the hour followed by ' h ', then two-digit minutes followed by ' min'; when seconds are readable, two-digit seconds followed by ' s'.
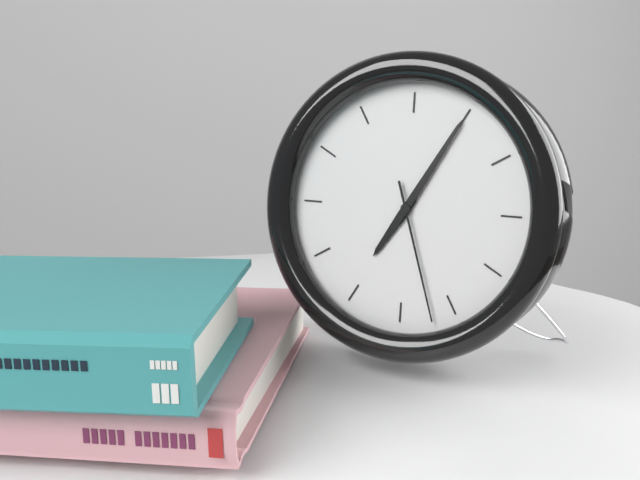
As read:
7 h 05 min 27 s
